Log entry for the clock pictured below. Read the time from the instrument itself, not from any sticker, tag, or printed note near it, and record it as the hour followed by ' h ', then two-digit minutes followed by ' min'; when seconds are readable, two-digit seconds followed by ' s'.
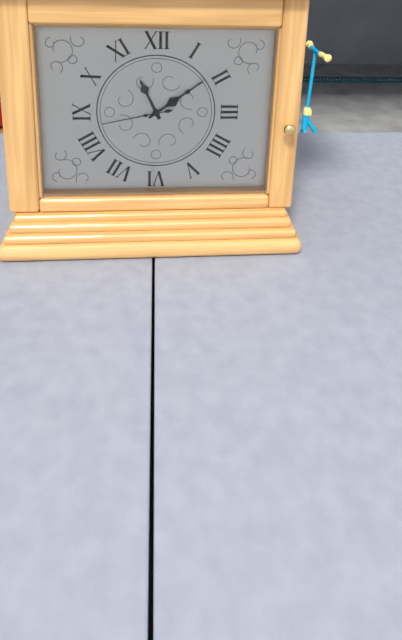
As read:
11 h 09 min 43 s
